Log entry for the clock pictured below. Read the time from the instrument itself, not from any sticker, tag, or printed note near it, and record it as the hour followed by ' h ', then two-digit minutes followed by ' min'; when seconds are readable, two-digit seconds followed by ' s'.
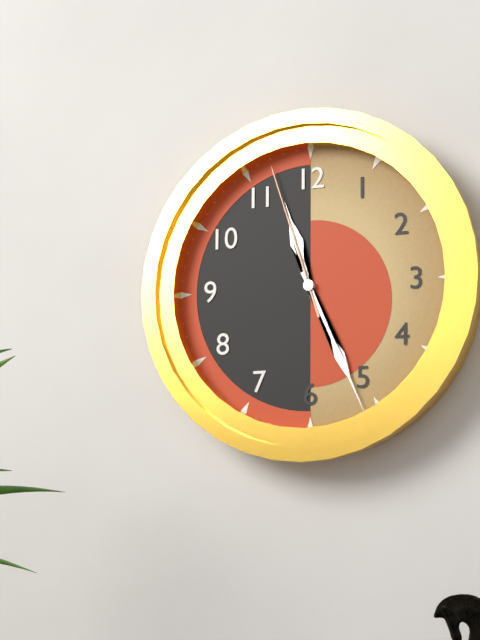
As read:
11 h 26 min 57 s
